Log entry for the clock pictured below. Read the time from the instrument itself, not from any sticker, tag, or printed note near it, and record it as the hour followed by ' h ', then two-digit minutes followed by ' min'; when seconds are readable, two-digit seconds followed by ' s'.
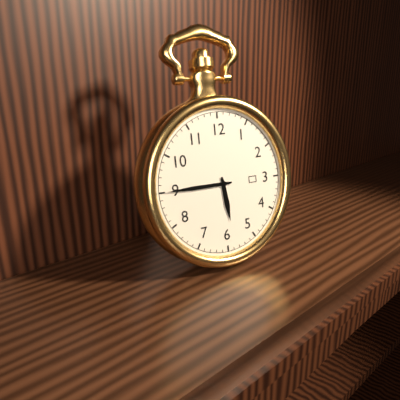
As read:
5 h 45 min
